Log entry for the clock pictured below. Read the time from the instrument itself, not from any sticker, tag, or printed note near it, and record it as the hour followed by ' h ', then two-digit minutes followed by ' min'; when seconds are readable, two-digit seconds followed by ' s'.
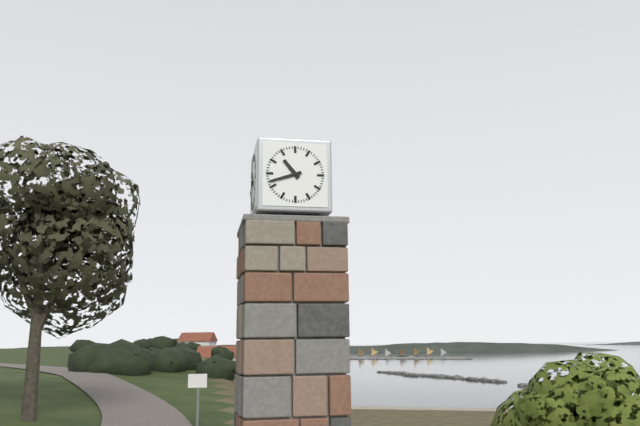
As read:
10 h 42 min
